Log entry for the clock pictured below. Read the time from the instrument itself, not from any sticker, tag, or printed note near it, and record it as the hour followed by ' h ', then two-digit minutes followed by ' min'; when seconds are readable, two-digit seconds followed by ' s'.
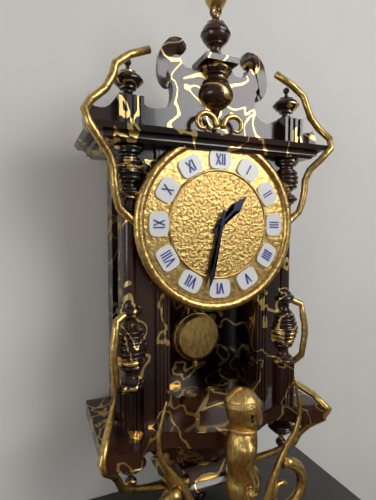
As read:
1 h 32 min
